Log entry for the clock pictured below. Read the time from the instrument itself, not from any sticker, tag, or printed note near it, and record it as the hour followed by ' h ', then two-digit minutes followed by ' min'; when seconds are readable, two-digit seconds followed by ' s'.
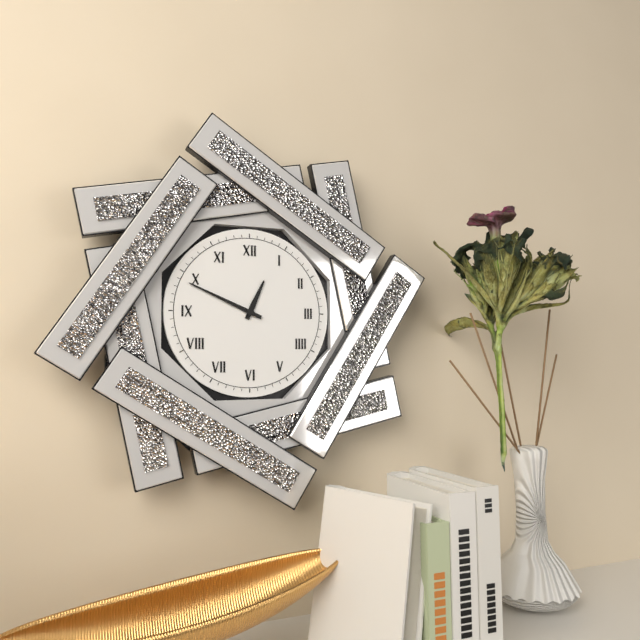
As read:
12 h 49 min
